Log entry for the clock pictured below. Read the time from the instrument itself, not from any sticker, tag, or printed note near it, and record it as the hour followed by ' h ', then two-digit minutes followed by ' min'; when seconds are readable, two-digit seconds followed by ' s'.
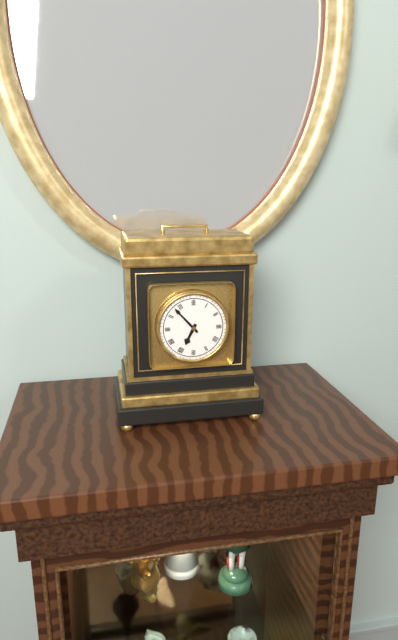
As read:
6 h 53 min
